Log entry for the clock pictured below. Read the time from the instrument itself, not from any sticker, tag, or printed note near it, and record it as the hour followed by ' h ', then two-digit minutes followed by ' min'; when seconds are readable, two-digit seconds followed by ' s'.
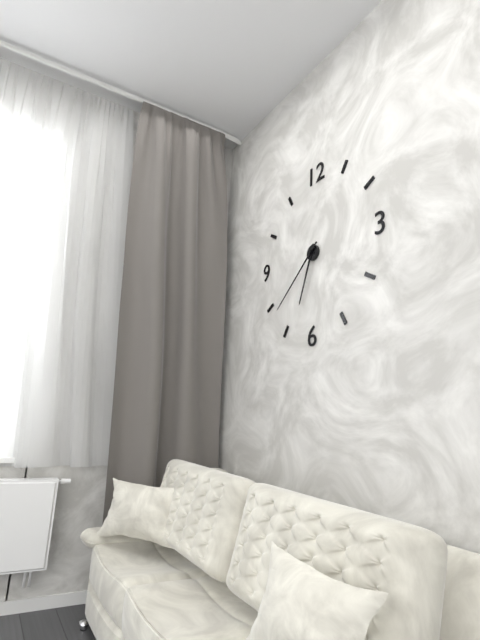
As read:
6 h 38 min
